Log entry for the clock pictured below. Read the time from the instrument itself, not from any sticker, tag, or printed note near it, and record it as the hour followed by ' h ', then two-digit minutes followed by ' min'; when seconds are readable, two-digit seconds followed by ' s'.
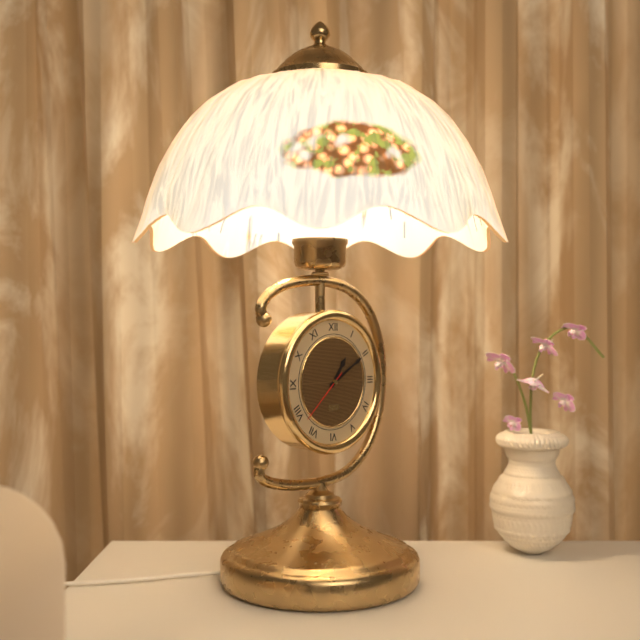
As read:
1 h 10 min 38 s
